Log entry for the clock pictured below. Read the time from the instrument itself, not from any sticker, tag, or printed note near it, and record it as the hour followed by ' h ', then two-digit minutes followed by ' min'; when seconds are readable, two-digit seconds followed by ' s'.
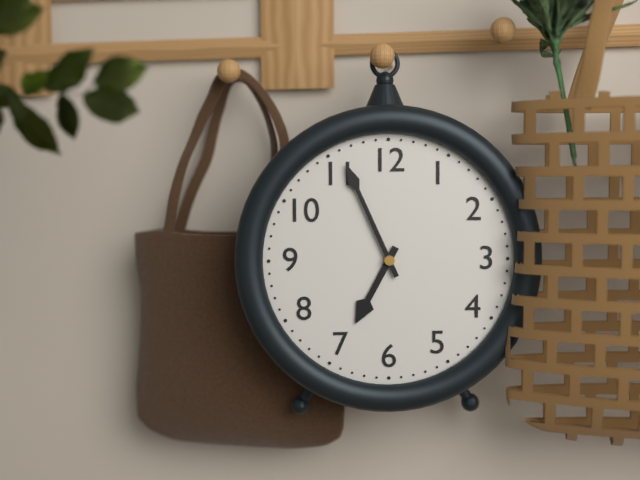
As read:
6 h 56 min
